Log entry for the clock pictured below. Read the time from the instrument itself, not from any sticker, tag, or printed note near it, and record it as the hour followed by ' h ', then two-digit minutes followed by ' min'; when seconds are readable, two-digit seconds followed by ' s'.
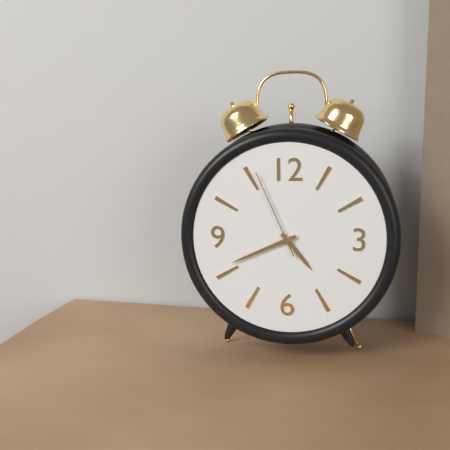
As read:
4 h 41 min 56 s
